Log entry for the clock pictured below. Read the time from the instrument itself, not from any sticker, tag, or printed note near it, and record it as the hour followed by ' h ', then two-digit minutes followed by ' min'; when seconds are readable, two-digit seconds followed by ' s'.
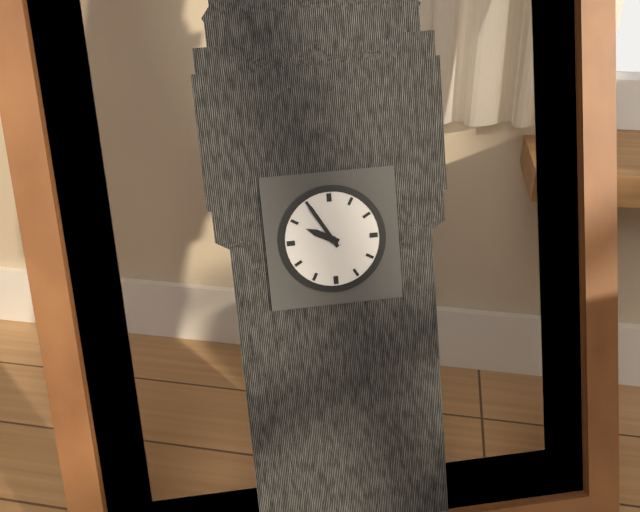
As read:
9 h 55 min
